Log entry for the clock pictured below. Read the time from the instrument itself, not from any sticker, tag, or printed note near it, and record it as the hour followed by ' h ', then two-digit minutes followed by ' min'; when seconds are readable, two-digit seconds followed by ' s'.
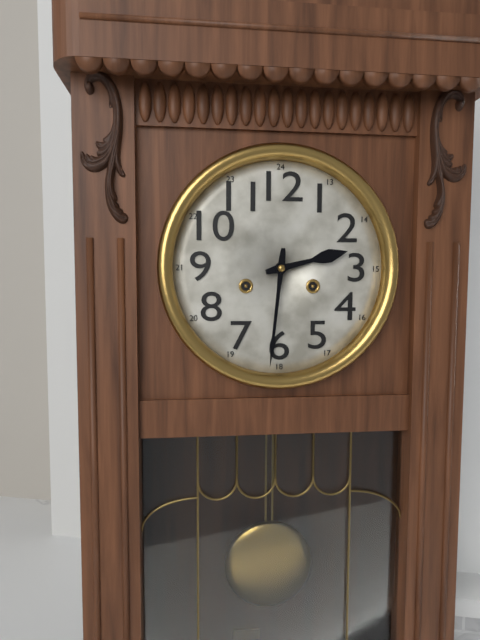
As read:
2 h 31 min
